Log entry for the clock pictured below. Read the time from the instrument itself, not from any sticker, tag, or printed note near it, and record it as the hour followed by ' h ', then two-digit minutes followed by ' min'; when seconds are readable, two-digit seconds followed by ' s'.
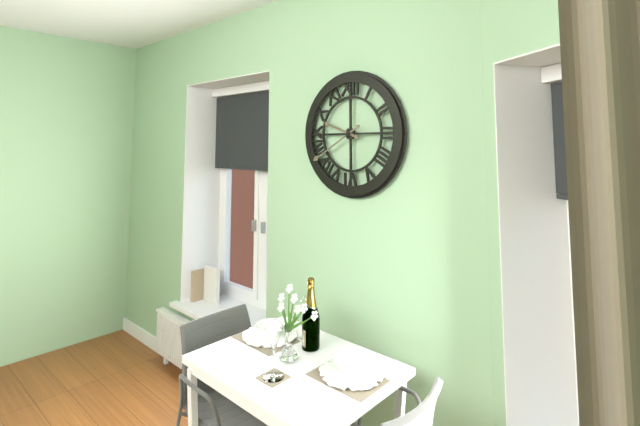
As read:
9 h 40 min
